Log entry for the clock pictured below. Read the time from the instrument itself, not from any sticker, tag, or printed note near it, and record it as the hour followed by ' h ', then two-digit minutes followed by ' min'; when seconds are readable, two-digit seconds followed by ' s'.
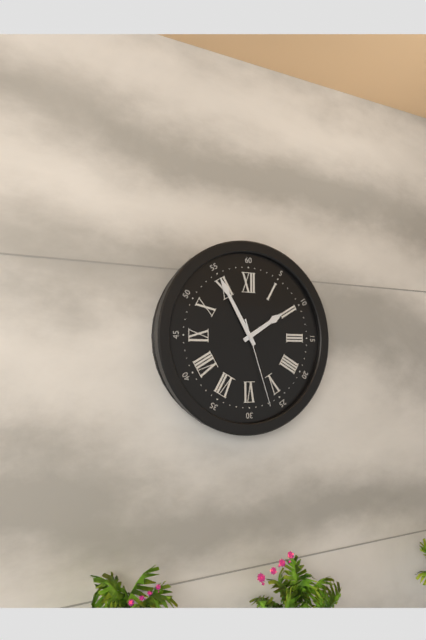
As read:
1 h 55 min 27 s
